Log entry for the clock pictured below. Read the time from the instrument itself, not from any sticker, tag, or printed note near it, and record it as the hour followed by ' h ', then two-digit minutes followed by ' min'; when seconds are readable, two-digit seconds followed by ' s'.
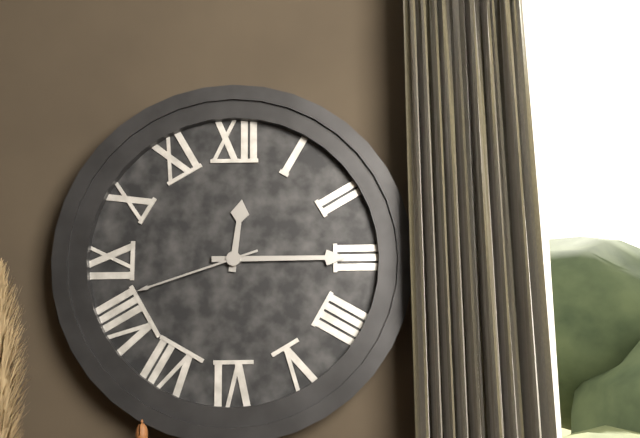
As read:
12 h 15 min 42 s
